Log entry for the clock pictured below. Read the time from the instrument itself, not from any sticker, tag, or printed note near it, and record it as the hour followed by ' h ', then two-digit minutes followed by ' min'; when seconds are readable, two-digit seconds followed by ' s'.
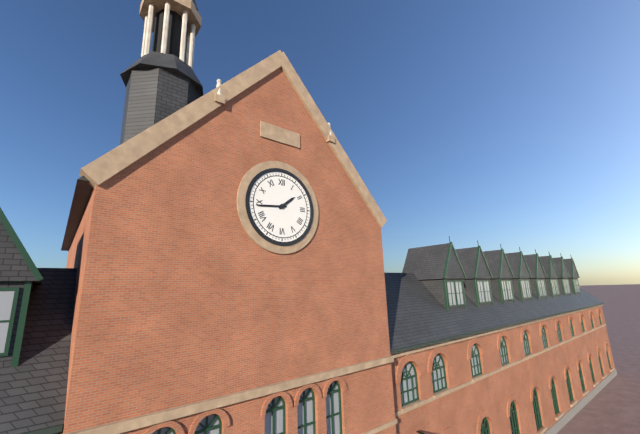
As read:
1 h 44 min
